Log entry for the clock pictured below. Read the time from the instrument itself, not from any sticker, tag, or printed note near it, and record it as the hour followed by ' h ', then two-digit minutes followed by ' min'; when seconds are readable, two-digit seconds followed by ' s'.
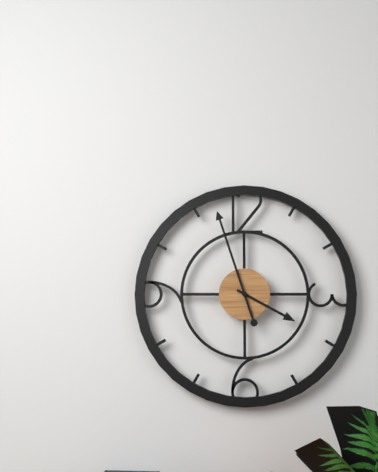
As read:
3 h 57 min
